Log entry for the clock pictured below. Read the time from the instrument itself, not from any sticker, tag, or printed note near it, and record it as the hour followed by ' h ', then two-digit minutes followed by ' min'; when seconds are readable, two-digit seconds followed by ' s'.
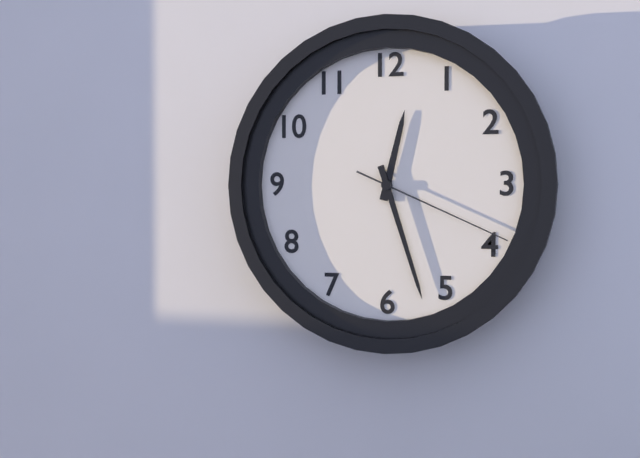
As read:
12 h 27 min 19 s
